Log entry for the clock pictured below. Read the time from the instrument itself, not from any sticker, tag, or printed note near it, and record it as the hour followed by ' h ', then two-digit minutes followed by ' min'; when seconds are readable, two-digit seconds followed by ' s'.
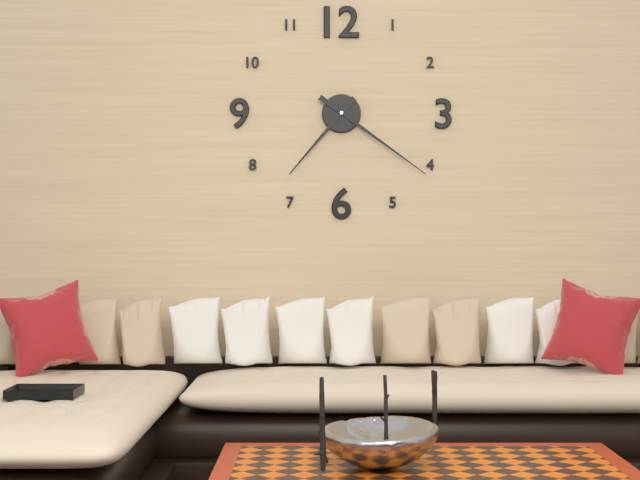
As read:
7 h 21 min
